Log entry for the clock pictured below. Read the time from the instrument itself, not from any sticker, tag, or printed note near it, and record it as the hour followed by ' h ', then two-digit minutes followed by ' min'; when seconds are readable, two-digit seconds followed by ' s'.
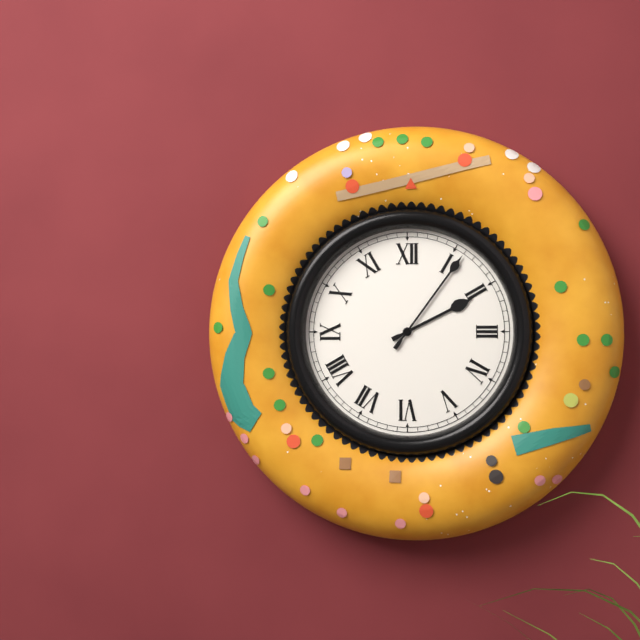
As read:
2 h 06 min
